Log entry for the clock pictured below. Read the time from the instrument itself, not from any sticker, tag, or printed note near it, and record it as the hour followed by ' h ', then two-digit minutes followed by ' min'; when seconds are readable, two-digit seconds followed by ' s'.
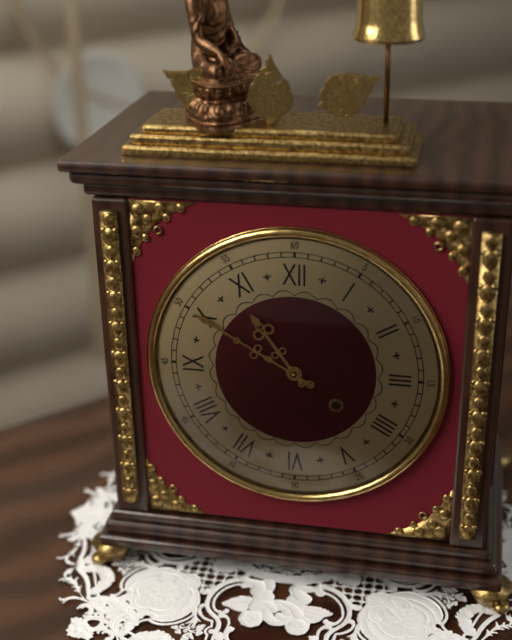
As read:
10 h 50 min
